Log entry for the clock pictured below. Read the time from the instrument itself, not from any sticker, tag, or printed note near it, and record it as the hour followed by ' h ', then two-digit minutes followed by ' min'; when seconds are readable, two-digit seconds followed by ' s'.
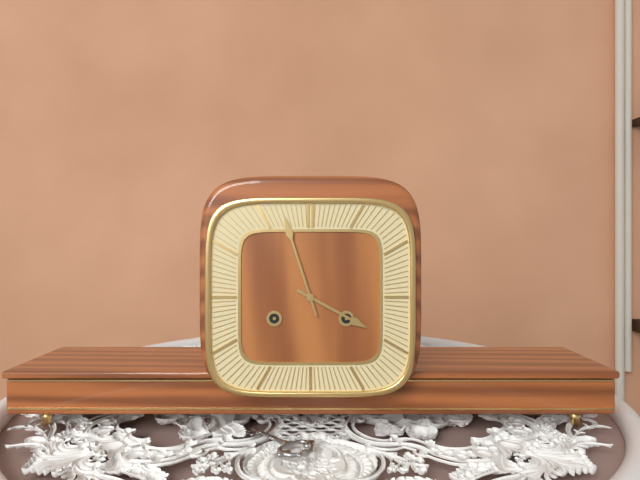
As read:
3 h 57 min
